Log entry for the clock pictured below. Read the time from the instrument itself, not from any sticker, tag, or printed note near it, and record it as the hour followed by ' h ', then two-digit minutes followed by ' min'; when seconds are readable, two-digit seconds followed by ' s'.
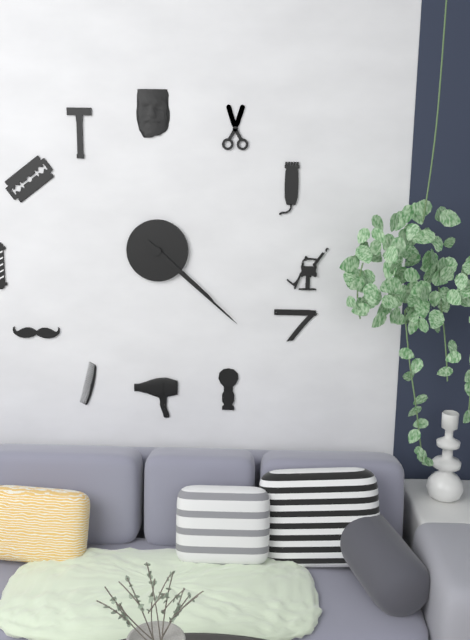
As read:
4 h 22 min
